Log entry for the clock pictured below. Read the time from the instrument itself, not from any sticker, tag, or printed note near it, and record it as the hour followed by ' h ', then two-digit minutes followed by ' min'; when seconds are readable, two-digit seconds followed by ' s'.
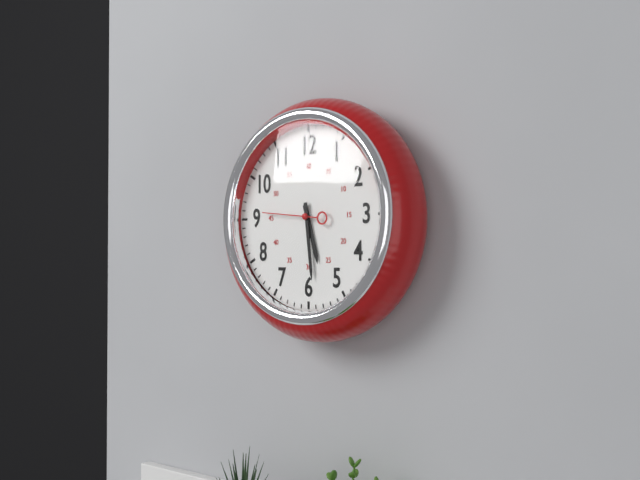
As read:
5 h 29 min 46 s
